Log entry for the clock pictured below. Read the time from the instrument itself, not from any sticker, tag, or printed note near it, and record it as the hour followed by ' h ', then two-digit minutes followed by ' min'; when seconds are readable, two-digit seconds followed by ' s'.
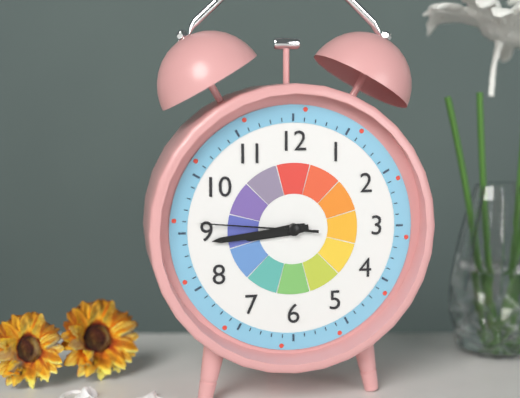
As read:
8 h 44 min 46 s
